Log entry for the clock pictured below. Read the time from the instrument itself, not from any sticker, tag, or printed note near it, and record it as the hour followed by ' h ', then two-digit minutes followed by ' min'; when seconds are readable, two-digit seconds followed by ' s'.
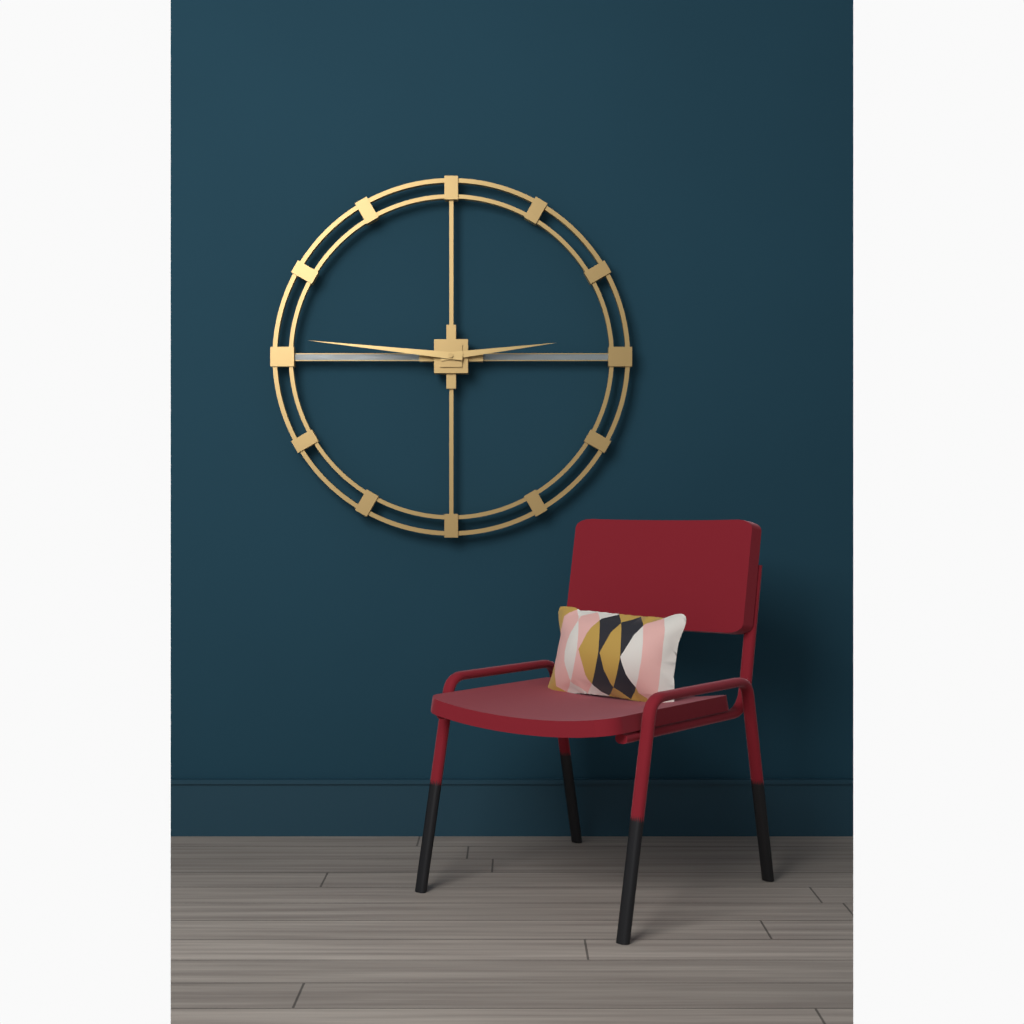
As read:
2 h 46 min
